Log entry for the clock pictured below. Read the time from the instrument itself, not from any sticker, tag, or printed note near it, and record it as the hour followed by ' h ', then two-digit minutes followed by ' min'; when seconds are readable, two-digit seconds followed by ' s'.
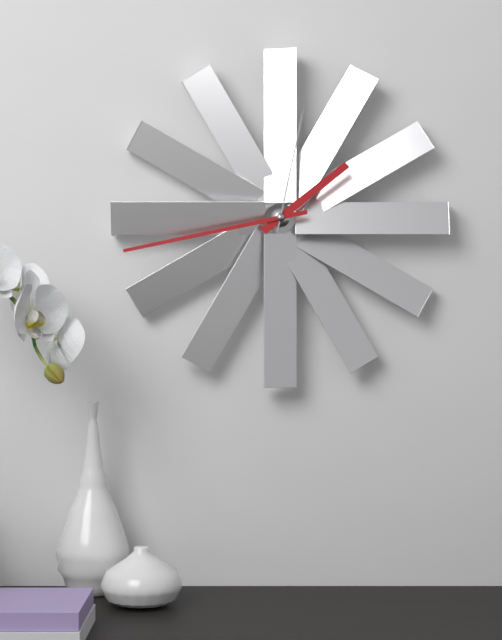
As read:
1 h 43 min 02 s
